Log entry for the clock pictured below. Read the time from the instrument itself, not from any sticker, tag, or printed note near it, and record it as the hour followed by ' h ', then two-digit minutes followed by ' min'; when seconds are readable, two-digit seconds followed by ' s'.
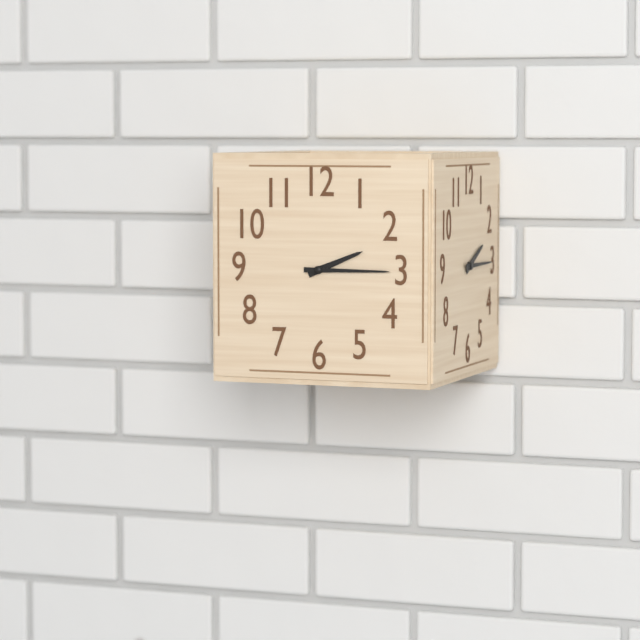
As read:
2 h 15 min
